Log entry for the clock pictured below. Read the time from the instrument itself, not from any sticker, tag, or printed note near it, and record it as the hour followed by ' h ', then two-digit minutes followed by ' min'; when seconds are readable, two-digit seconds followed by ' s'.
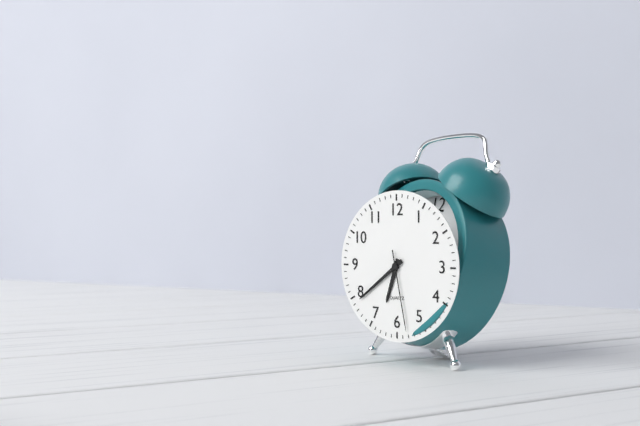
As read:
6 h 39 min 28 s
